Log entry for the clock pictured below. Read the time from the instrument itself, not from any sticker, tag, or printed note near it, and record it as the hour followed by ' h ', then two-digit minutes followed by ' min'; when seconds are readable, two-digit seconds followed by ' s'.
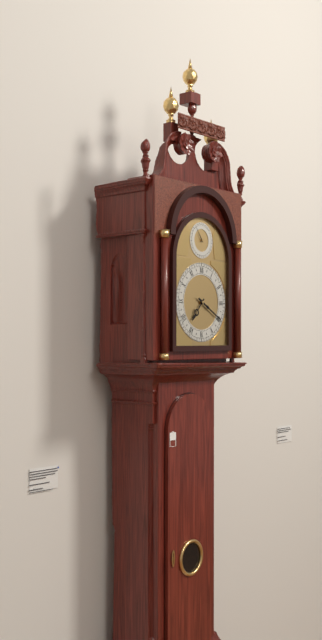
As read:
7 h 20 min
